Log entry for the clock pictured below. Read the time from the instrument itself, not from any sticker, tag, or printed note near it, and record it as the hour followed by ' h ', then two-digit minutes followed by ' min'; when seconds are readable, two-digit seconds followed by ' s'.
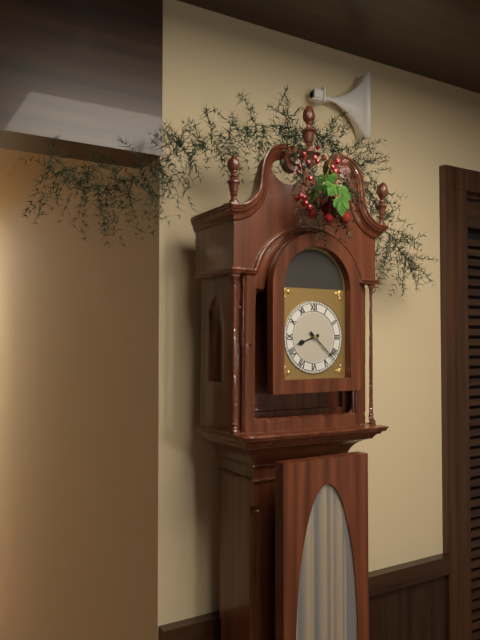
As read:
8 h 22 min
